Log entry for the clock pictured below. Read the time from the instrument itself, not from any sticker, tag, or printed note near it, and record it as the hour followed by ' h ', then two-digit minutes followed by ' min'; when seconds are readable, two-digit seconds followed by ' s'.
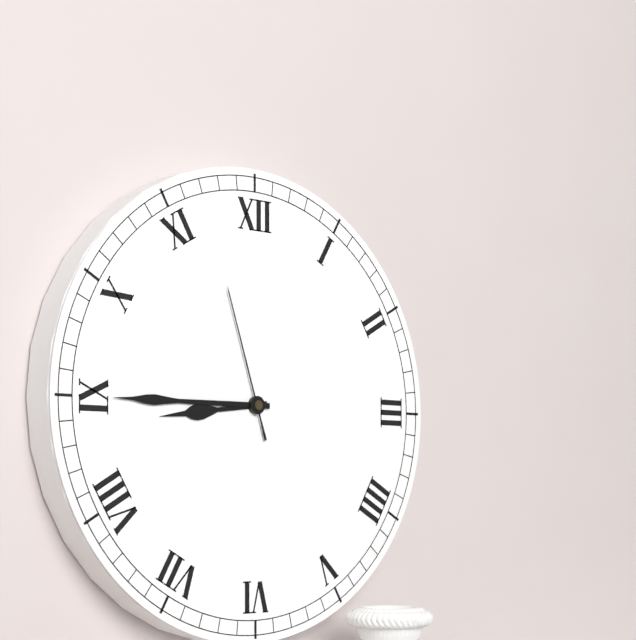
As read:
8 h 45 min 57 s
